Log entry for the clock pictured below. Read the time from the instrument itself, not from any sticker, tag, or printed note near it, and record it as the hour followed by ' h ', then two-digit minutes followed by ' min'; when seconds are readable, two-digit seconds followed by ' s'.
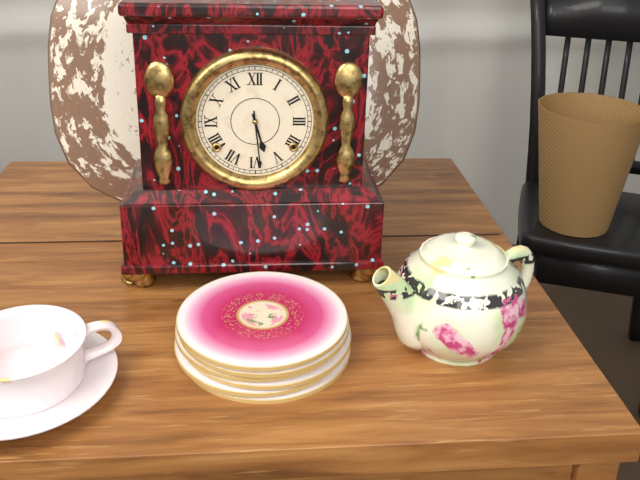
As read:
5 h 29 min
